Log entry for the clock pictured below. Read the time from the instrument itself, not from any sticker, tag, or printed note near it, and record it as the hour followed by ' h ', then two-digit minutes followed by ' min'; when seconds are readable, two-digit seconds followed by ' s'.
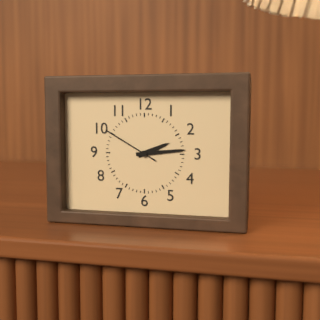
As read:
2 h 14 min 50 s
